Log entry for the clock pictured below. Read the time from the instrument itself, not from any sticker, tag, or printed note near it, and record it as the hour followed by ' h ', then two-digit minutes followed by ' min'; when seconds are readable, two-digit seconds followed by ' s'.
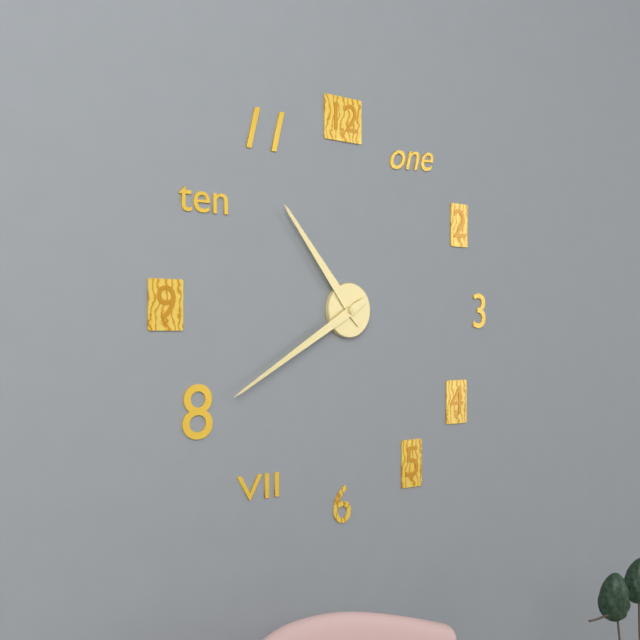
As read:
10 h 40 min
